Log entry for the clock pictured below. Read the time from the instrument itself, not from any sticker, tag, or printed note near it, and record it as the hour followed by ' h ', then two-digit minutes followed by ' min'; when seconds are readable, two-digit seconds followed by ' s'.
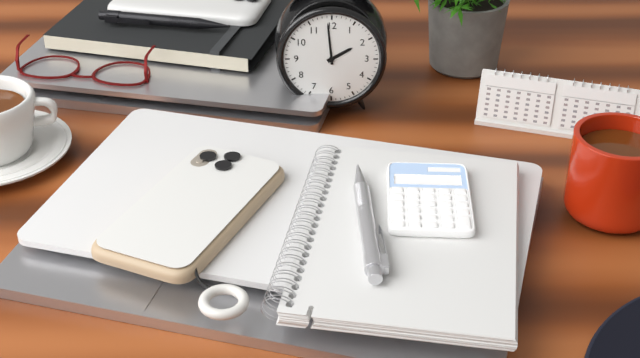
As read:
1 h 59 min
